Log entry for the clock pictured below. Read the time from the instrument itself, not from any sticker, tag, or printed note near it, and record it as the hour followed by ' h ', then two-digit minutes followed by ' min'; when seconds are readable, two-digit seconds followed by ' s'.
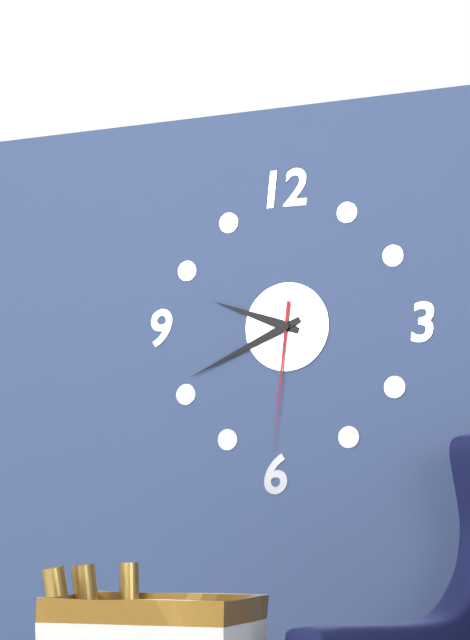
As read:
9 h 41 min 31 s
